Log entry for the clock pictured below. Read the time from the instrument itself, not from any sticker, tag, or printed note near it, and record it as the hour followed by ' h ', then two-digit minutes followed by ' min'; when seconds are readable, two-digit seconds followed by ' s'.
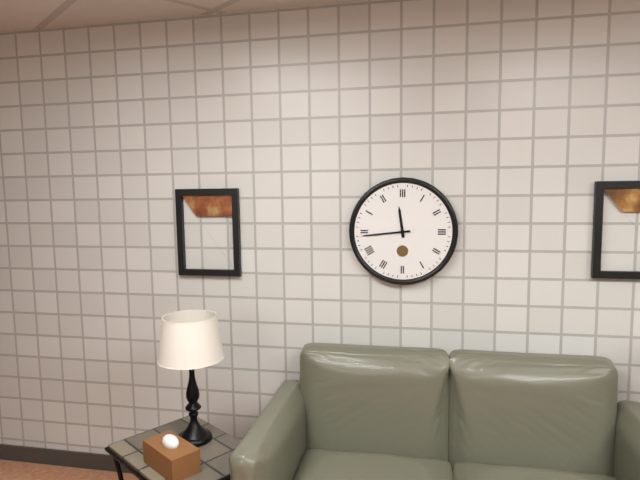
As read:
11 h 44 min
